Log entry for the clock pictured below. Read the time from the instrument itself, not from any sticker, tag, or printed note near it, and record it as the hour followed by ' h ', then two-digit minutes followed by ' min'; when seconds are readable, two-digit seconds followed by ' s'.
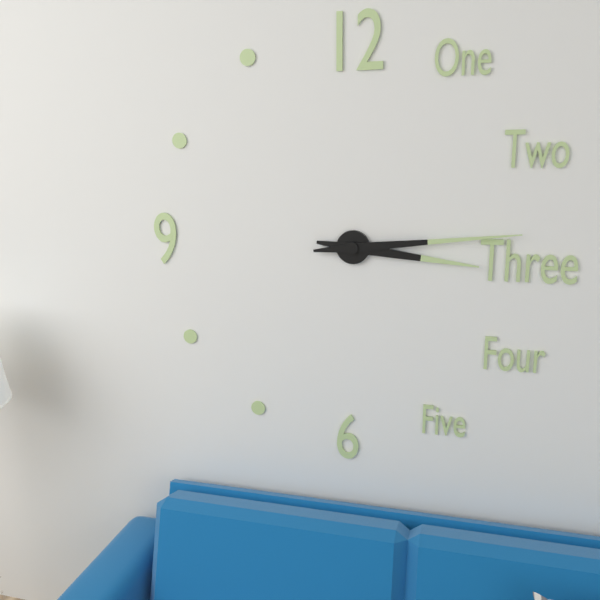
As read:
3 h 14 min
